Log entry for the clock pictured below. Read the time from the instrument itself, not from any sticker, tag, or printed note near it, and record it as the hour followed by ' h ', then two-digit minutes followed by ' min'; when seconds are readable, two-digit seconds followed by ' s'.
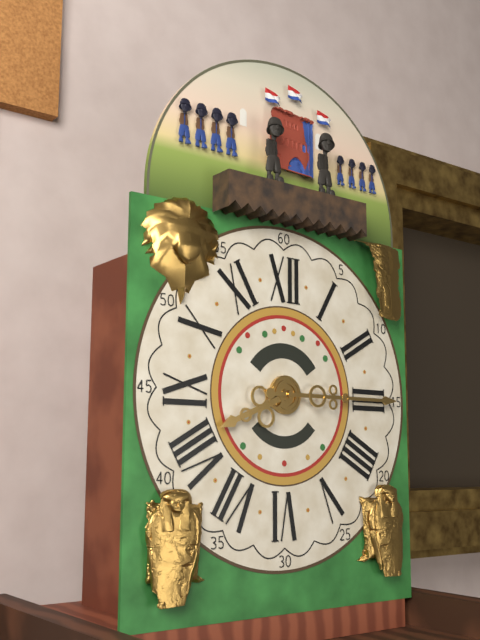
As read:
8 h 15 min
